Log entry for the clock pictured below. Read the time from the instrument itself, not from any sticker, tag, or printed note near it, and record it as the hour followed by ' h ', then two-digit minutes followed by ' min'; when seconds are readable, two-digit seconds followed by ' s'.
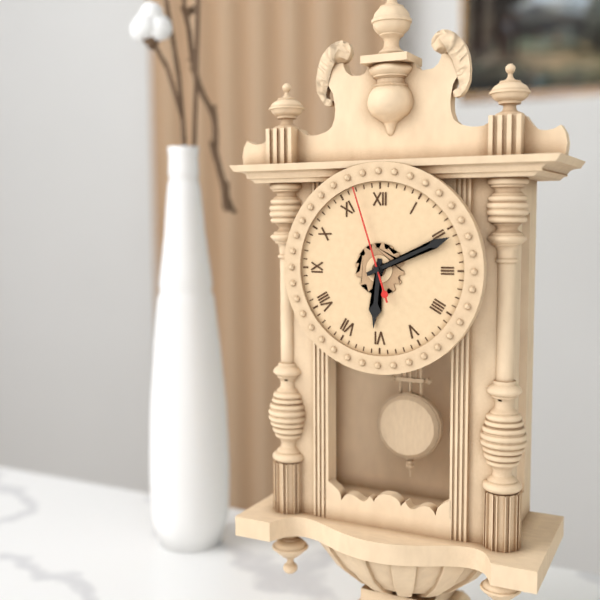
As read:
6 h 11 min 57 s
